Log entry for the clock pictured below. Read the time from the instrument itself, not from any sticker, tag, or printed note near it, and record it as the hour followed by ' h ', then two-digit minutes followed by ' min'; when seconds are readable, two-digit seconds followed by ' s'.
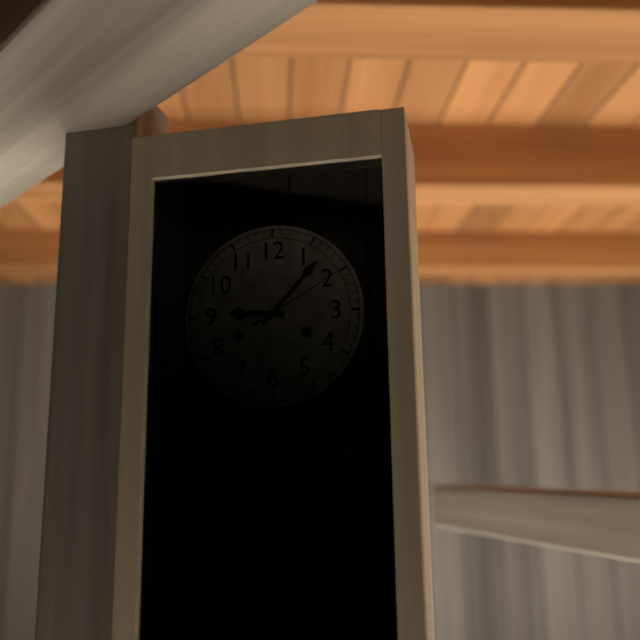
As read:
9 h 07 min 10 s
